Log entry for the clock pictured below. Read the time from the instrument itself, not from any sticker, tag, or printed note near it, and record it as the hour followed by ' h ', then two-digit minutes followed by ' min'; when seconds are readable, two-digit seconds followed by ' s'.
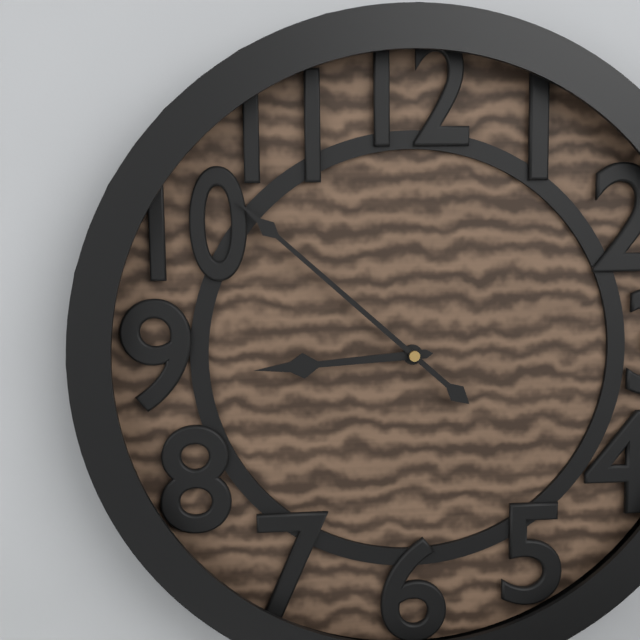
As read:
8 h 52 min
